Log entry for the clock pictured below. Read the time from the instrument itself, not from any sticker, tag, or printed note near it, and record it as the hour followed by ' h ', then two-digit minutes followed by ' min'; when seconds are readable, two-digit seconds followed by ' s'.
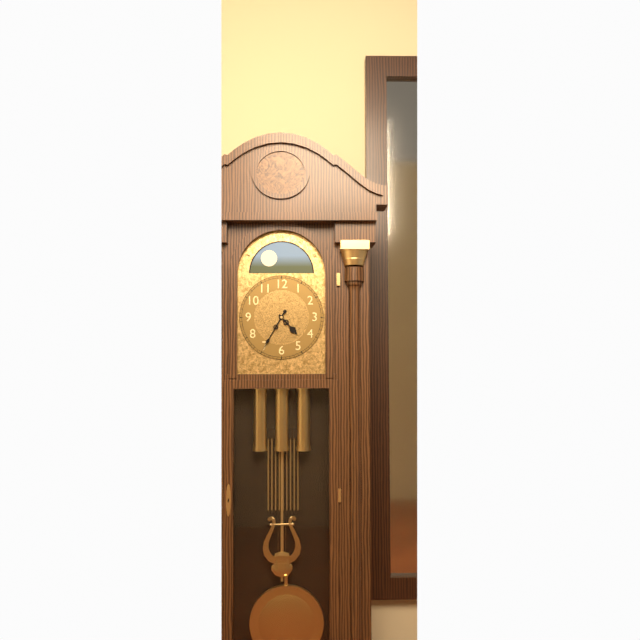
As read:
4 h 35 min
